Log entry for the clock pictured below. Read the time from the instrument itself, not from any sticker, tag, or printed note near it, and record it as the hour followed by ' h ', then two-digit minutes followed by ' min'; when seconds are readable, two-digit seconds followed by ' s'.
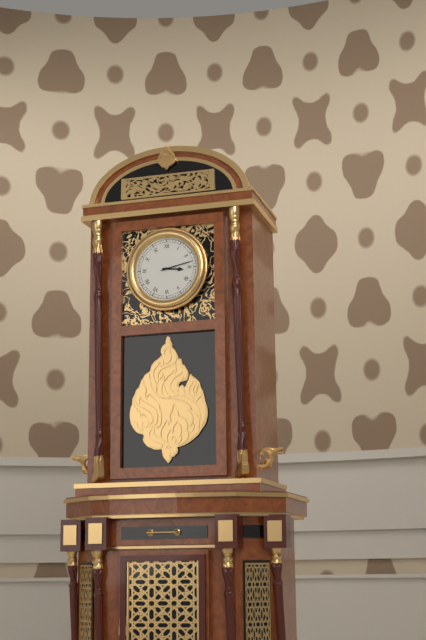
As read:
3 h 13 min
